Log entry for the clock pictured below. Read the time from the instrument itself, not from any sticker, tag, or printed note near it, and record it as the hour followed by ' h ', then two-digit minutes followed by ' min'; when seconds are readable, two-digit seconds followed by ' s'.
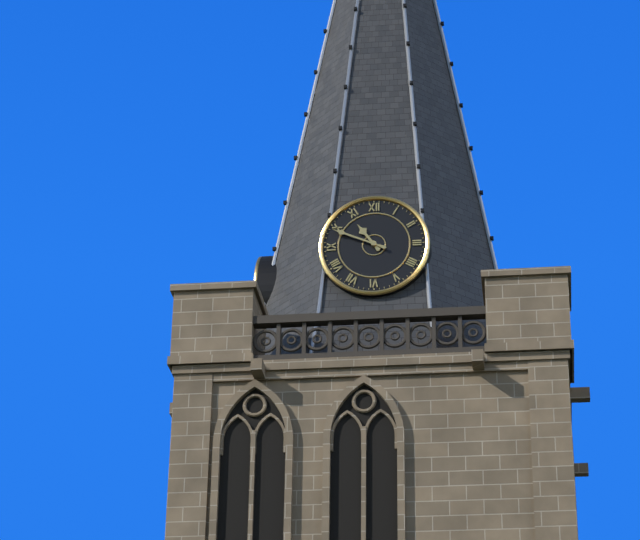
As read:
10 h 49 min
